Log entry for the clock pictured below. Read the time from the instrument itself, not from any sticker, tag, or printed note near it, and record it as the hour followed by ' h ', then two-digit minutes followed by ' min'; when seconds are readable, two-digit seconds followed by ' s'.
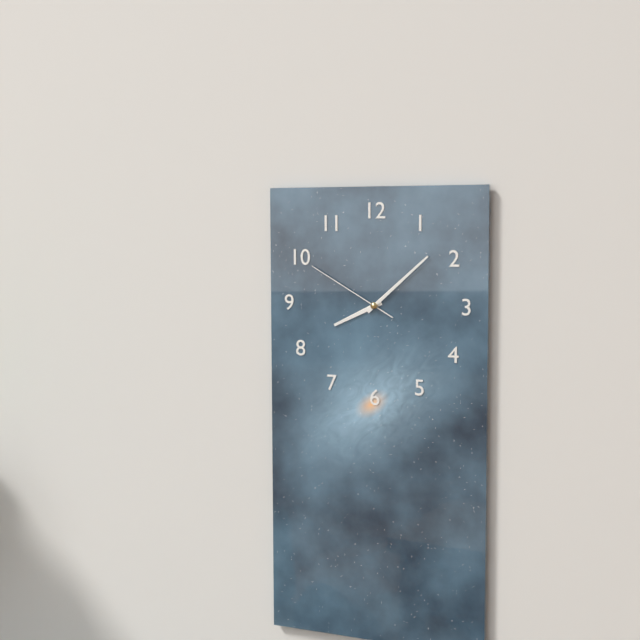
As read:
8 h 08 min 50 s
